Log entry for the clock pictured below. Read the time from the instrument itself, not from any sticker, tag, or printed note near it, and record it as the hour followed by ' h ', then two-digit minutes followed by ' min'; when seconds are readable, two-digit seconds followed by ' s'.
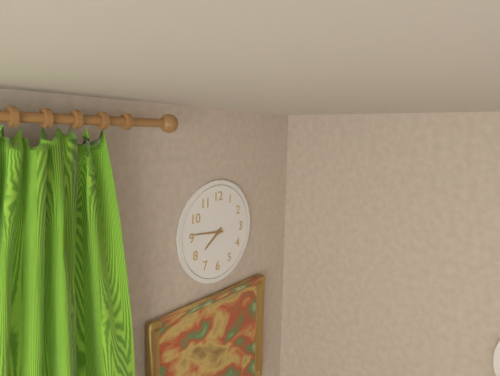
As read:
7 h 46 min
